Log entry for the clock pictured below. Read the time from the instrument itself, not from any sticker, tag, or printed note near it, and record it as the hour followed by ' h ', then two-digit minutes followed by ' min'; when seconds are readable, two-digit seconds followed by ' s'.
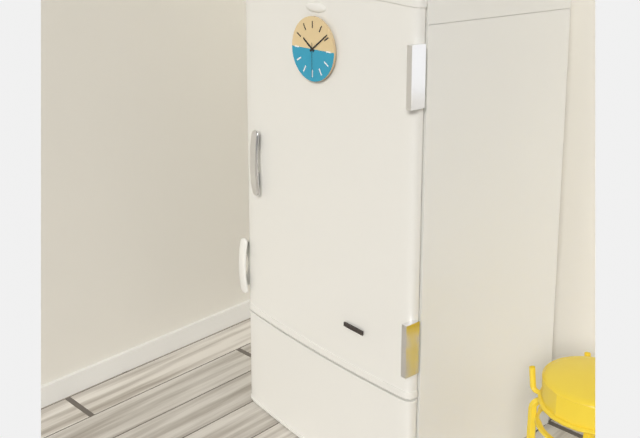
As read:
10 h 09 min
